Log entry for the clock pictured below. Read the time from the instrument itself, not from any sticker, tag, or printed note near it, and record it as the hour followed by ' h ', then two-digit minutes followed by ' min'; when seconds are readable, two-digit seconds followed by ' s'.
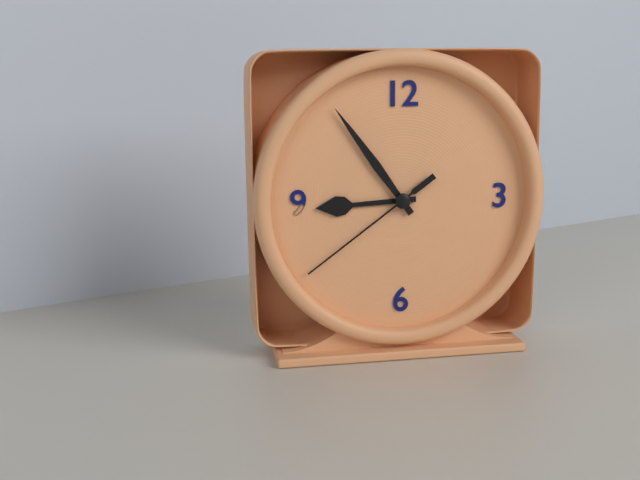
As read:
8 h 54 min 39 s
